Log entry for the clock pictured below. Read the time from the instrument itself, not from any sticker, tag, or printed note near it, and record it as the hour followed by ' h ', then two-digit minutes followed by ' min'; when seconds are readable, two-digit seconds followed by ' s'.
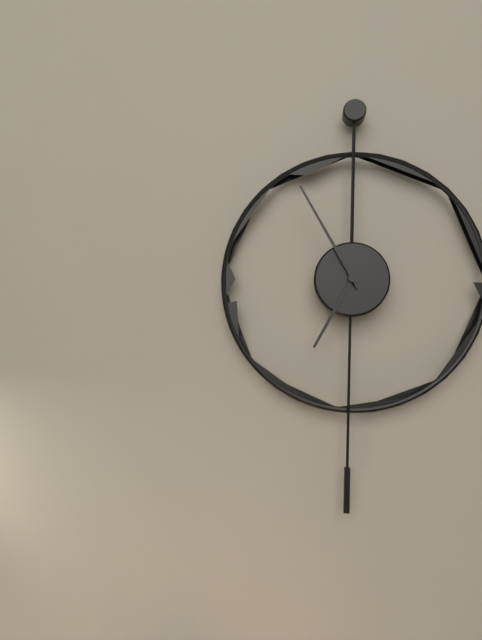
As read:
6 h 55 min
